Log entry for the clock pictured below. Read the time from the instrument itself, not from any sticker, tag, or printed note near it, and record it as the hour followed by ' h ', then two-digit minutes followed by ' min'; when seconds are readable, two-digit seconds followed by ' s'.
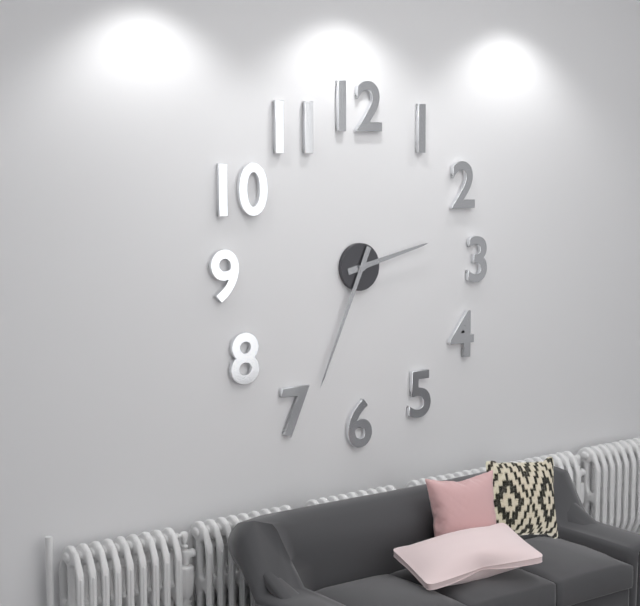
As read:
2 h 34 min
